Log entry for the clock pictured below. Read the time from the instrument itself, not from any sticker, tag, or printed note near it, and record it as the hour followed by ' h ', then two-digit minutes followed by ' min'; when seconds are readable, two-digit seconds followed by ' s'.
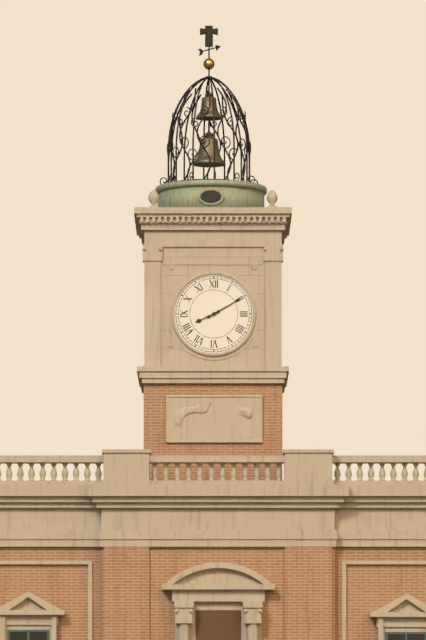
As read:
8 h 10 min
